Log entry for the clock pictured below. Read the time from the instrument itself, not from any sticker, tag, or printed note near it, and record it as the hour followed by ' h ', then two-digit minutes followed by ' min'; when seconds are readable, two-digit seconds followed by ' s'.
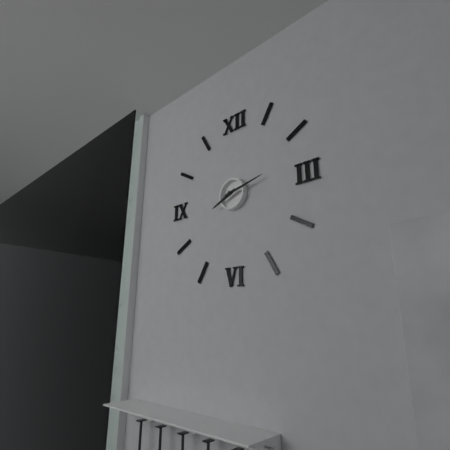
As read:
8 h 13 min
